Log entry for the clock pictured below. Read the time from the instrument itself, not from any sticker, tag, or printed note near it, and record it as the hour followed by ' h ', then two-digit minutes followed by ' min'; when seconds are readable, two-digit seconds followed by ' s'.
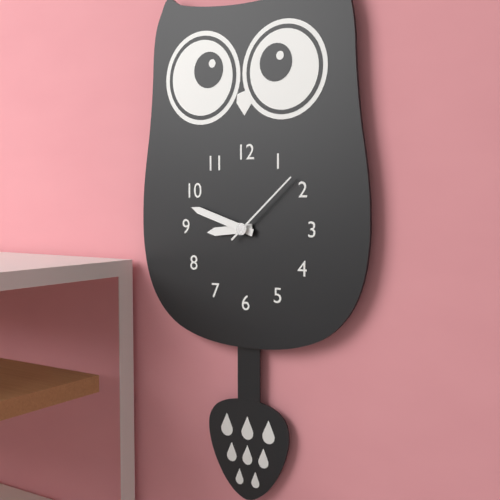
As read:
8 h 48 min 08 s
